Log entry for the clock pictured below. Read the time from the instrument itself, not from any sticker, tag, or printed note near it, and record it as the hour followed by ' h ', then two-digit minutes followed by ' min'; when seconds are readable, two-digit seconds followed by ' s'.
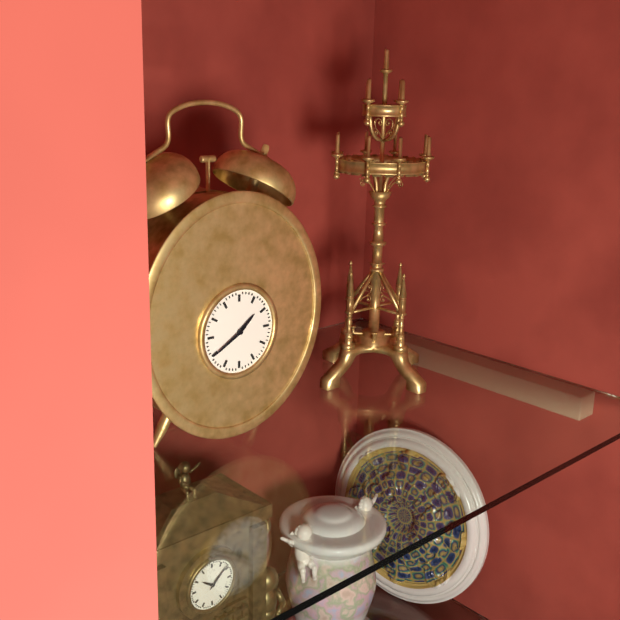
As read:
1 h 40 min
